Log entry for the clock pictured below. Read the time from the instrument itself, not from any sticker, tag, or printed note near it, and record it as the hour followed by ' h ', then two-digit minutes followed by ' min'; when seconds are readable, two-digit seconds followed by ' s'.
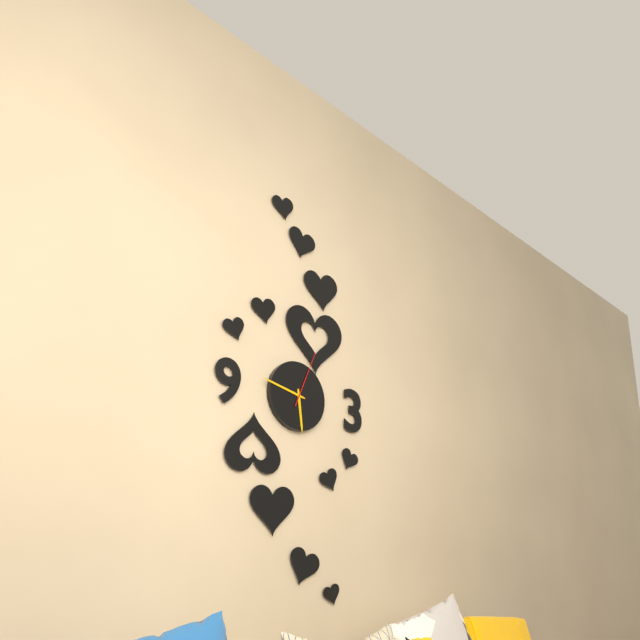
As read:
5 h 47 min 04 s
